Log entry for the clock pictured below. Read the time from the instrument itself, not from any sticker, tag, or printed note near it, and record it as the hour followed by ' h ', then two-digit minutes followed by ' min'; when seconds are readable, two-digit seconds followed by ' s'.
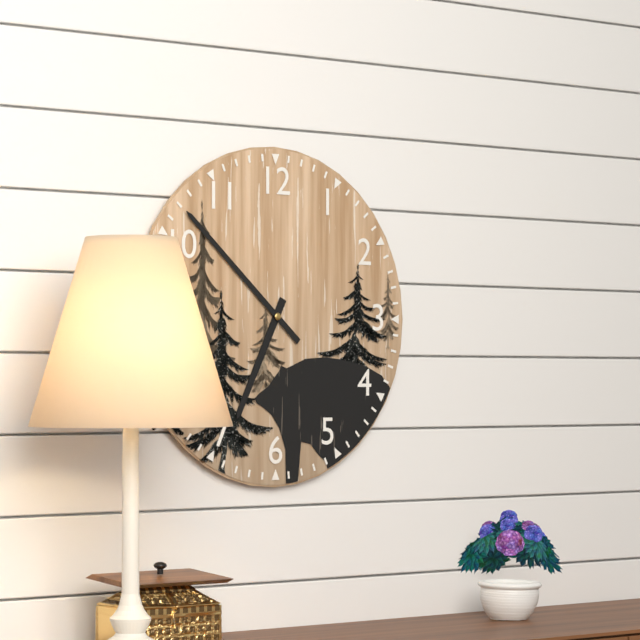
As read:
6 h 52 min
